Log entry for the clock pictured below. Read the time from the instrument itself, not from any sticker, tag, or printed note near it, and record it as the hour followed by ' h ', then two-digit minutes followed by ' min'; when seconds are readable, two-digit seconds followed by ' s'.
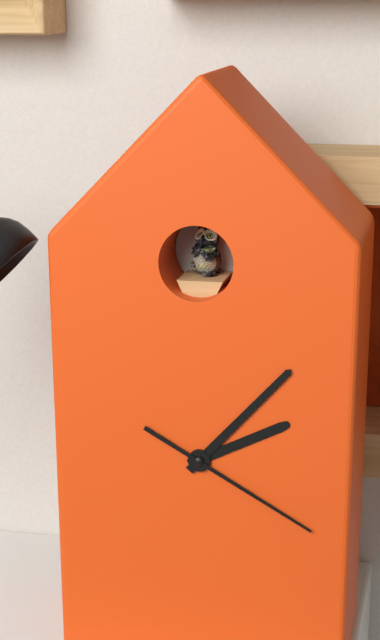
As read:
2 h 07 min 20 s
